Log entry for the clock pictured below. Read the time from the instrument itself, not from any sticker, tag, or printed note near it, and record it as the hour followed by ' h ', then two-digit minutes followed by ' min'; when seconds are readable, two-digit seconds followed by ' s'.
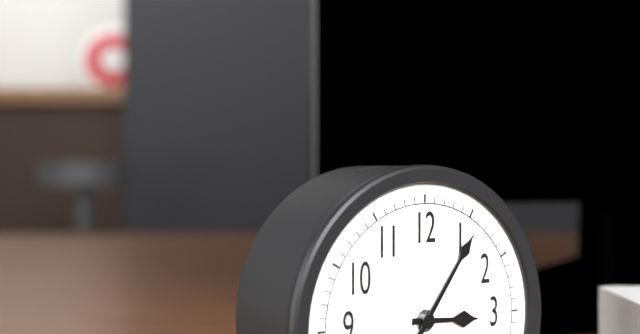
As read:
3 h 06 min
